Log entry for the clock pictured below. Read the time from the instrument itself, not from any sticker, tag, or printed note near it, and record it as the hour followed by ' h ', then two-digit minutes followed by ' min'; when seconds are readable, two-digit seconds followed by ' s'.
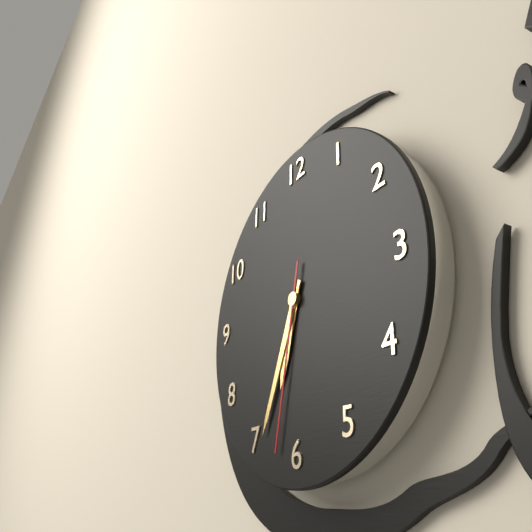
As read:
6 h 34 min 32 s
